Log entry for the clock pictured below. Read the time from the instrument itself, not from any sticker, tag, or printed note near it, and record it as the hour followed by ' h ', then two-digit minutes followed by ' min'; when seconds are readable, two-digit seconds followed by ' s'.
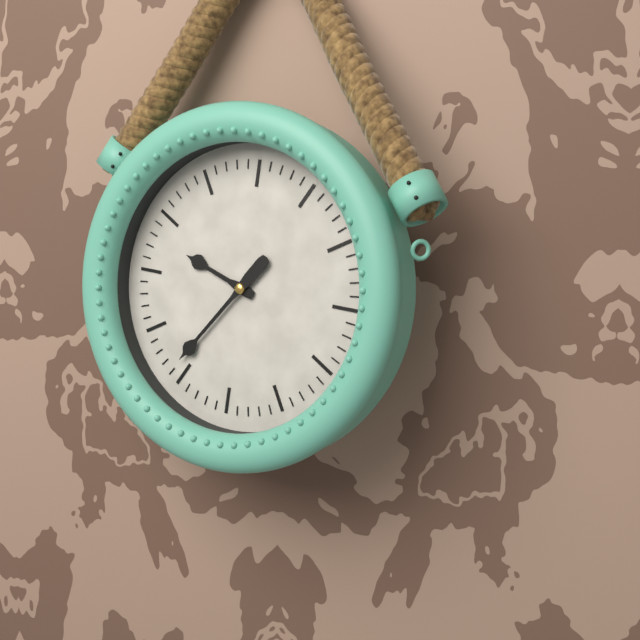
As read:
9 h 36 min
